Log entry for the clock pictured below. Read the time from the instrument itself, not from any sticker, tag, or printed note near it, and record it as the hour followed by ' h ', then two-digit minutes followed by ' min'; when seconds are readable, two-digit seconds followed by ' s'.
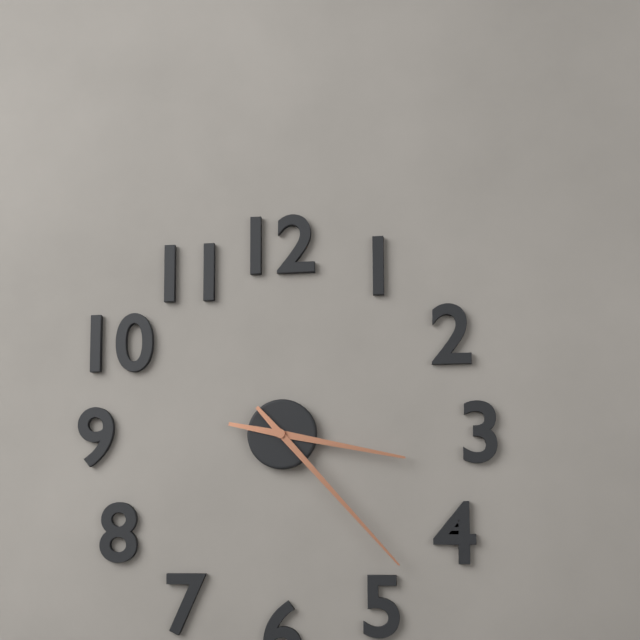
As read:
3 h 23 min
